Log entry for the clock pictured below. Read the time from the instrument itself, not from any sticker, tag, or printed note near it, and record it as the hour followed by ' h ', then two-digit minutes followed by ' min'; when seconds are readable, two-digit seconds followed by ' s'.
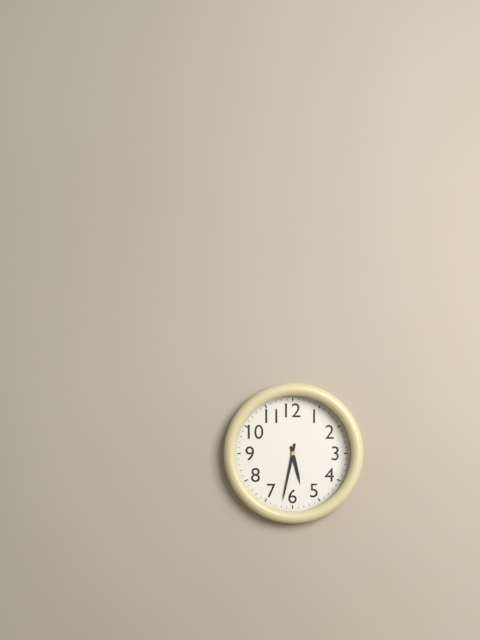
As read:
5 h 32 min
